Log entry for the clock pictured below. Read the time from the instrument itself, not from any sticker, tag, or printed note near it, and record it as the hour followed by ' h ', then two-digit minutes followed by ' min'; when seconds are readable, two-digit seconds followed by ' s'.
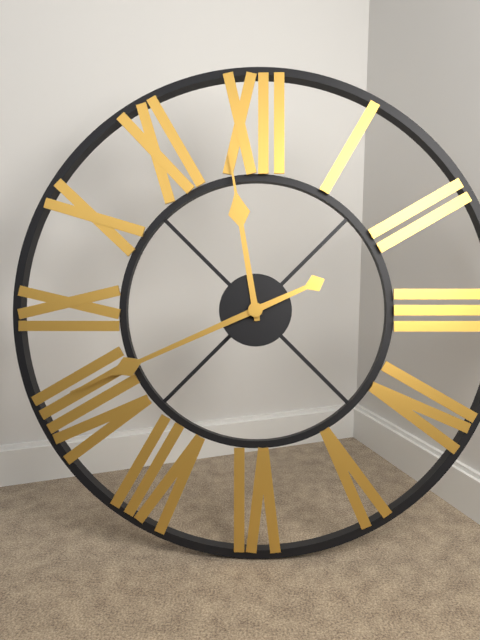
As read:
11 h 41 min
